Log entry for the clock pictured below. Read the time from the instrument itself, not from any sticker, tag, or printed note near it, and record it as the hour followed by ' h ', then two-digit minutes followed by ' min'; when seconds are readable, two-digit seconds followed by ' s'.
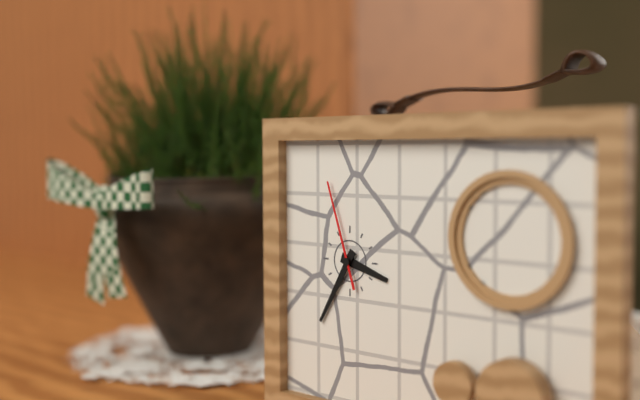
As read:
3 h 35 min 57 s
